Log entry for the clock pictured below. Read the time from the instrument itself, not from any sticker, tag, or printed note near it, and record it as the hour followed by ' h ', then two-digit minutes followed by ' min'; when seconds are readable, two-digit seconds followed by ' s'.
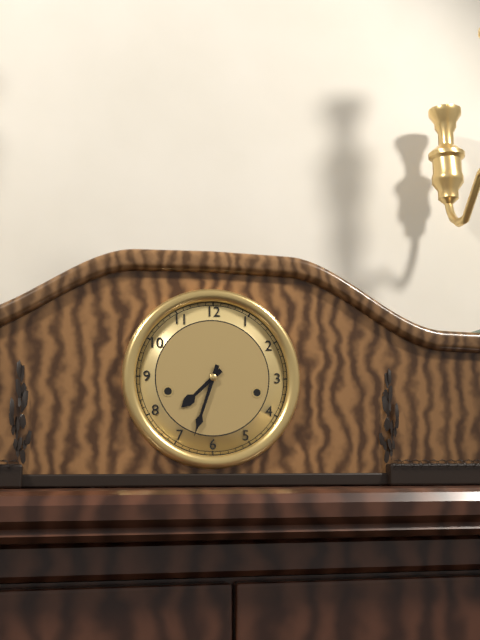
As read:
7 h 33 min
